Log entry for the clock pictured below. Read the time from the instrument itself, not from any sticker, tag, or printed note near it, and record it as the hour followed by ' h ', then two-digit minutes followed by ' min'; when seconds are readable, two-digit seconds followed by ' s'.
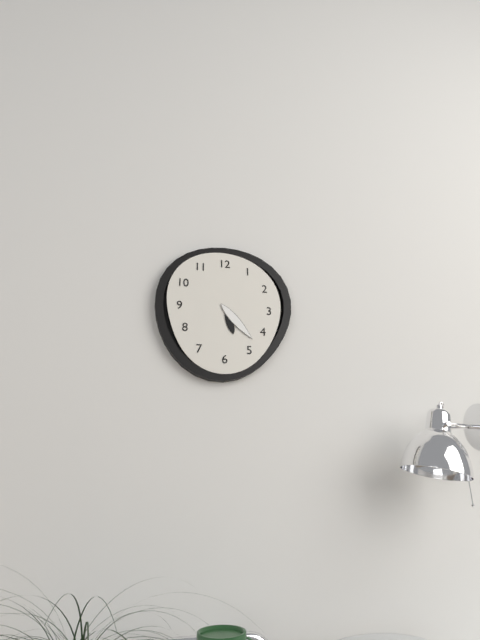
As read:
5 h 23 min
